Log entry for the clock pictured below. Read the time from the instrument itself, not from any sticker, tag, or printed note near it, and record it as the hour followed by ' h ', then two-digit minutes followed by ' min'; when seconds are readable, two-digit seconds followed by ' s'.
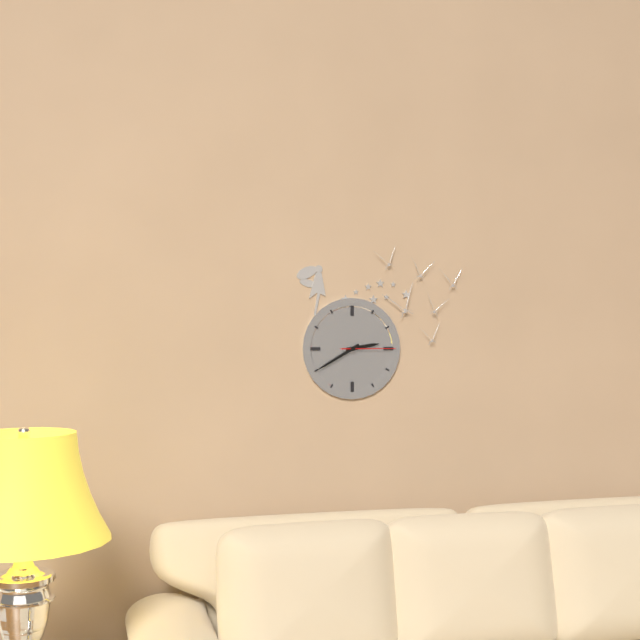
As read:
2 h 40 min 15 s
